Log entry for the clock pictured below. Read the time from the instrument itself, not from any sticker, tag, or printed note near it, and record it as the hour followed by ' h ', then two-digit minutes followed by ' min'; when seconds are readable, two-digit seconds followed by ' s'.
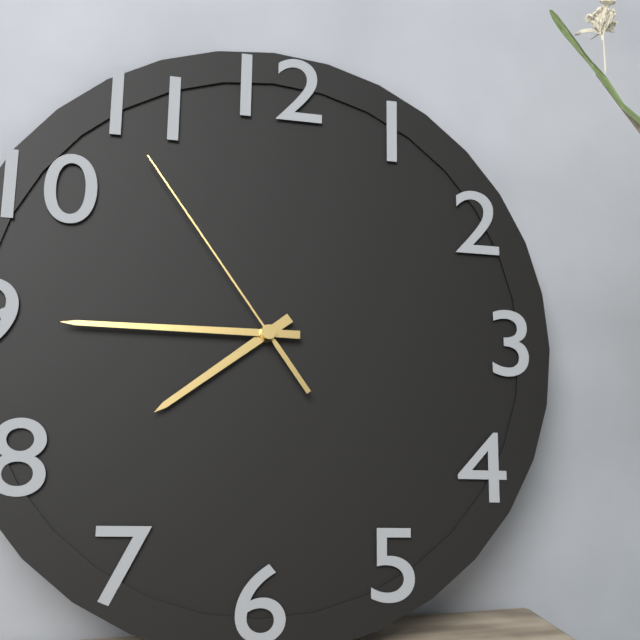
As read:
7 h 45 min 54 s
